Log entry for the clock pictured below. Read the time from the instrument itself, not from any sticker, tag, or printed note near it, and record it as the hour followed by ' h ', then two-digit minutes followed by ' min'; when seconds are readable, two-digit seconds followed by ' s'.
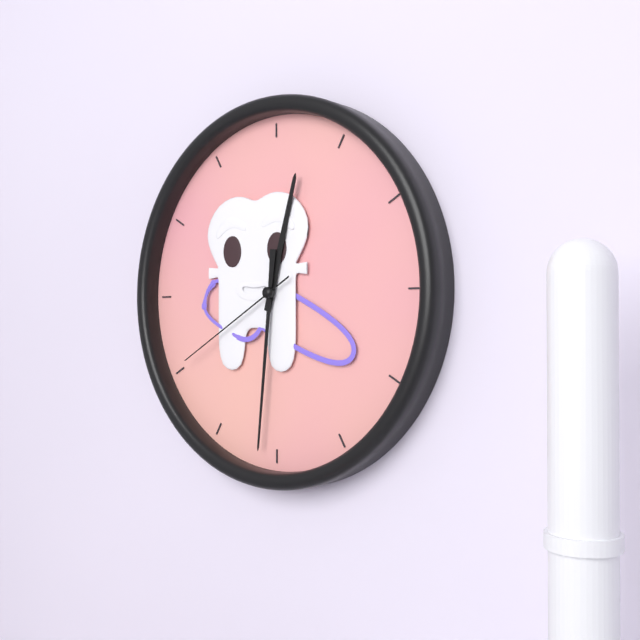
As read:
12 h 31 min 40 s
